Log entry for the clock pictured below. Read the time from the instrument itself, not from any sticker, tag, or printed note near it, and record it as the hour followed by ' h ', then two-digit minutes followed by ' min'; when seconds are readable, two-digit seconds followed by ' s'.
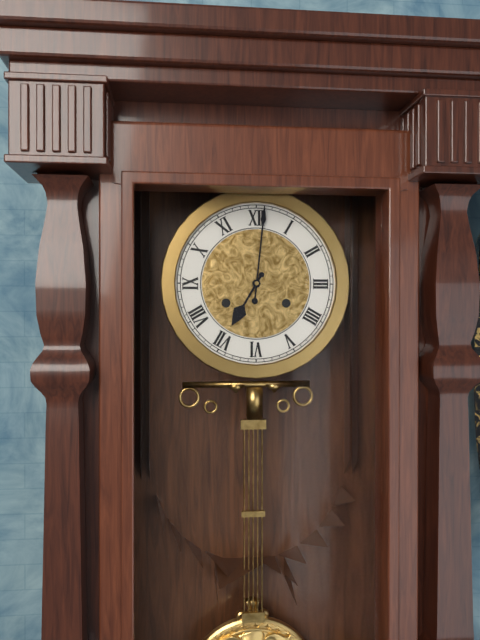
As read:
7 h 01 min
